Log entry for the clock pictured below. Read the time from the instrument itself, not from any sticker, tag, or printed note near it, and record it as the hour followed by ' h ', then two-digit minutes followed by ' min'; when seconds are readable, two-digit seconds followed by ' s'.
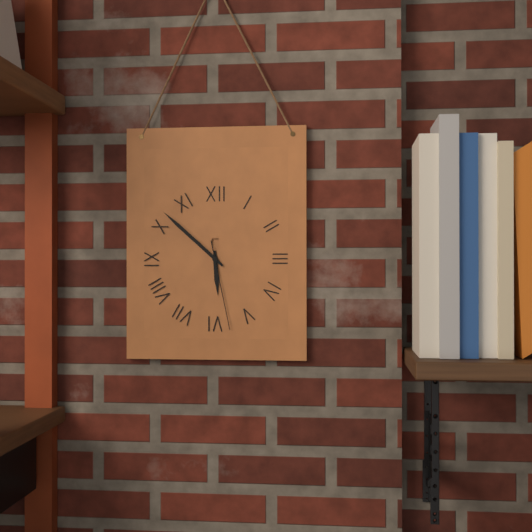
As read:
5 h 52 min 28 s
